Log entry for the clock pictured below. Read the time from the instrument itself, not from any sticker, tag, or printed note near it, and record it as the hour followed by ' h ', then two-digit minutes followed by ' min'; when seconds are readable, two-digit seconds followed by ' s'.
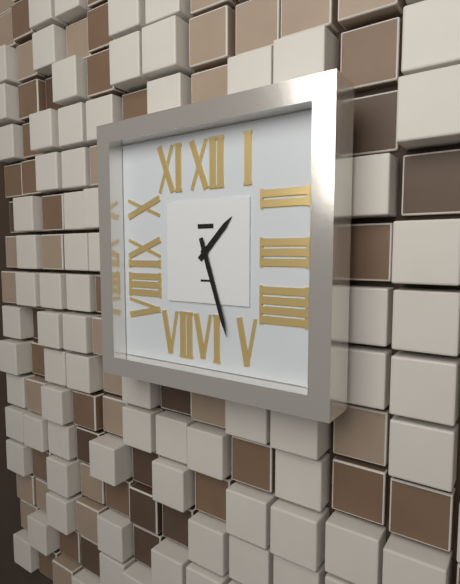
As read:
1 h 27 min
